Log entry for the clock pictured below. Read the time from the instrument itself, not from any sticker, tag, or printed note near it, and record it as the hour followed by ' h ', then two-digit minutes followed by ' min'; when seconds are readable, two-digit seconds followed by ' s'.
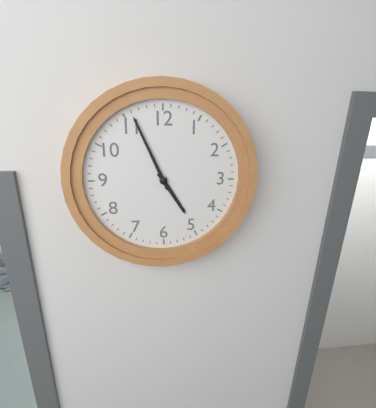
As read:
4 h 56 min
